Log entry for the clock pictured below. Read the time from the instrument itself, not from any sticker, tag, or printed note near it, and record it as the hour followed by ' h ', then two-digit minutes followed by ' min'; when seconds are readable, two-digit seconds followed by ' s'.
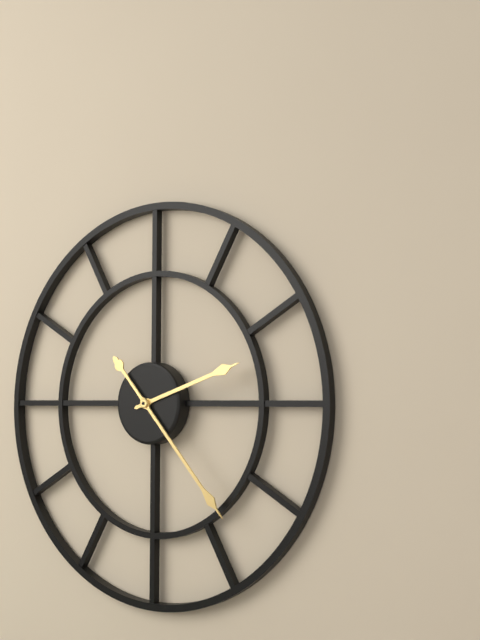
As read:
2 h 23 min
